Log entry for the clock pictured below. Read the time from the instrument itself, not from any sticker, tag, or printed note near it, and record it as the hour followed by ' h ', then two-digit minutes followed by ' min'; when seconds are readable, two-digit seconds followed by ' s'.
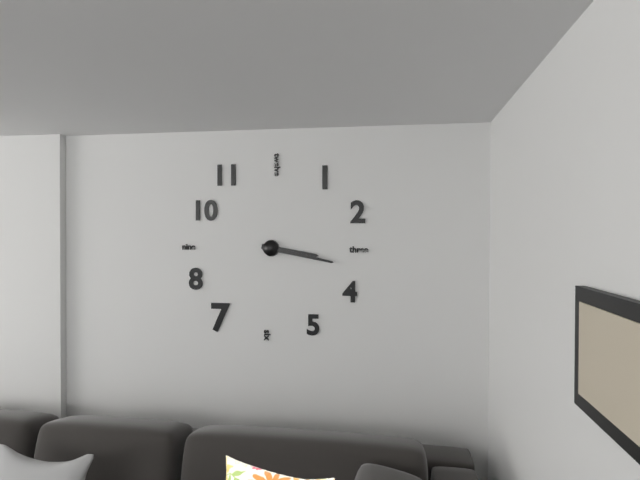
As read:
3 h 17 min
